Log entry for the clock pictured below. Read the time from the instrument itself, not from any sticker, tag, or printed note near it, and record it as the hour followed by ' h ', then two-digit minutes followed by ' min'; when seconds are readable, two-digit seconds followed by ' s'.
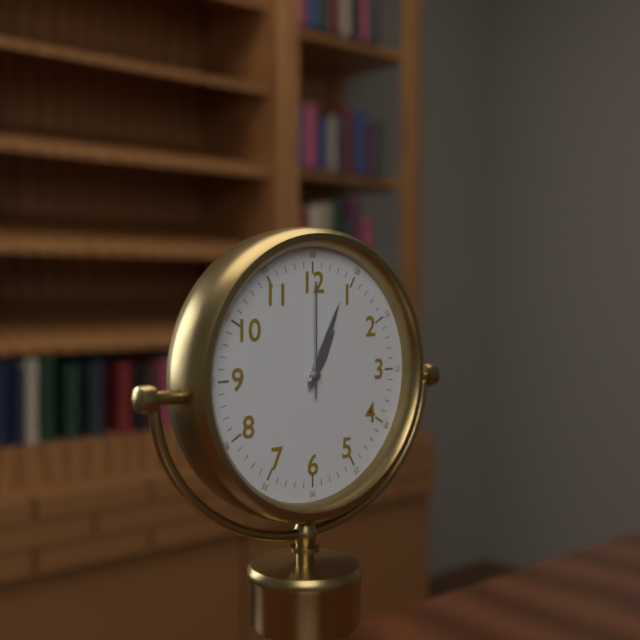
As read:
1 h 04 min 00 s
